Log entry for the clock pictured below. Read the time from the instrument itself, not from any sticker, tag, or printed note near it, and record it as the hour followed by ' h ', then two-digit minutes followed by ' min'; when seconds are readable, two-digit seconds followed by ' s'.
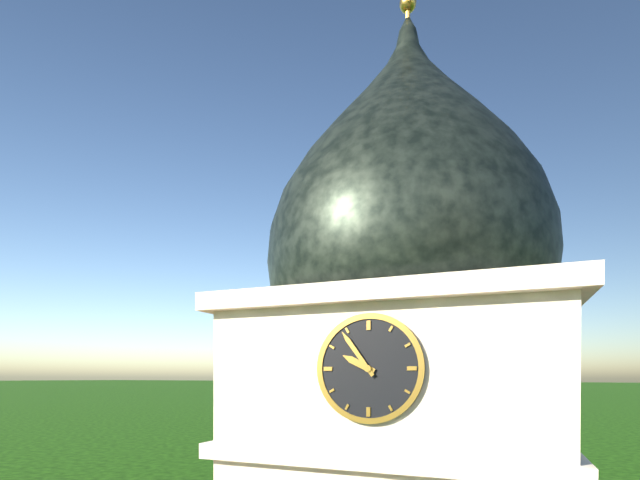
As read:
9 h 54 min
